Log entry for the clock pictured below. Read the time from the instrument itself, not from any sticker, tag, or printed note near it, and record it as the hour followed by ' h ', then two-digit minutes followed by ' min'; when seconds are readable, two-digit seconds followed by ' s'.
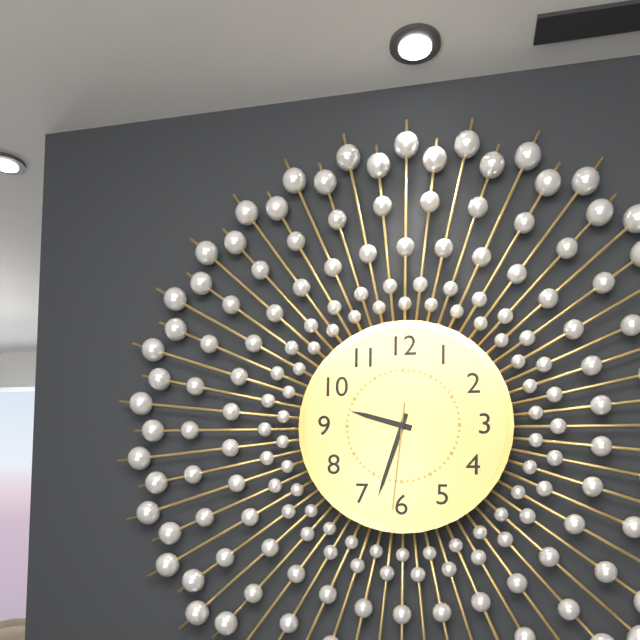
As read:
9 h 33 min 31 s
